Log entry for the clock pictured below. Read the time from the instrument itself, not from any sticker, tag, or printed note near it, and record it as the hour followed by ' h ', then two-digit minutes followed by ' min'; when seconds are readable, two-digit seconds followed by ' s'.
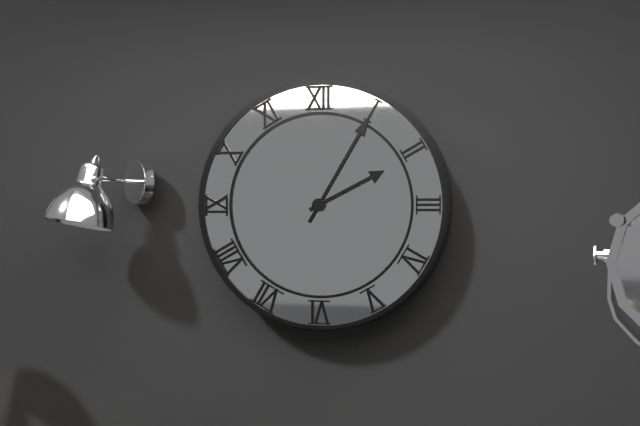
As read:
2 h 05 min
